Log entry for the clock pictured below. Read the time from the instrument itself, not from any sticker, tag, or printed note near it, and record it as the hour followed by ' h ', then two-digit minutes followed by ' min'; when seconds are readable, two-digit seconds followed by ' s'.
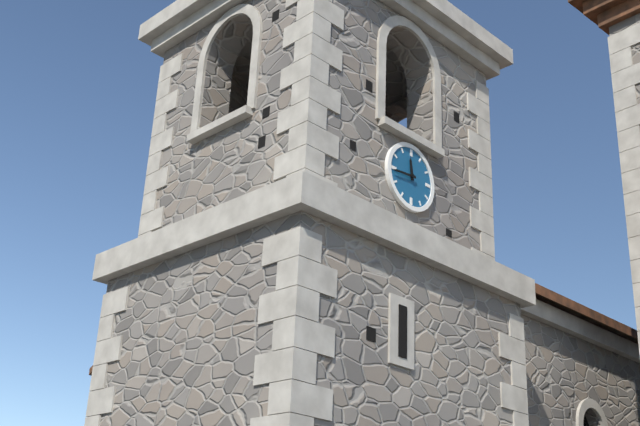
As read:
11 h 44 min
